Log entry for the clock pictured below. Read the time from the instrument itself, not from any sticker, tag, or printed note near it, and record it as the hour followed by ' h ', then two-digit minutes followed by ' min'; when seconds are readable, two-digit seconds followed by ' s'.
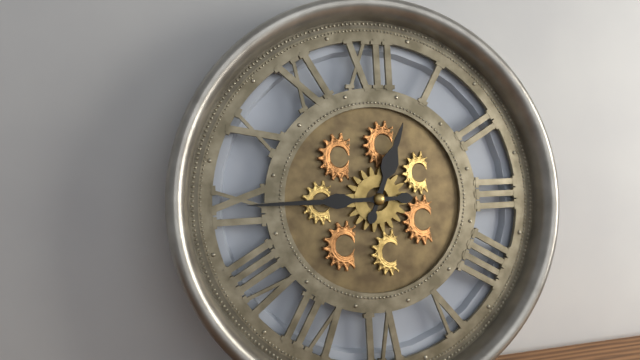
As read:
12 h 45 min
